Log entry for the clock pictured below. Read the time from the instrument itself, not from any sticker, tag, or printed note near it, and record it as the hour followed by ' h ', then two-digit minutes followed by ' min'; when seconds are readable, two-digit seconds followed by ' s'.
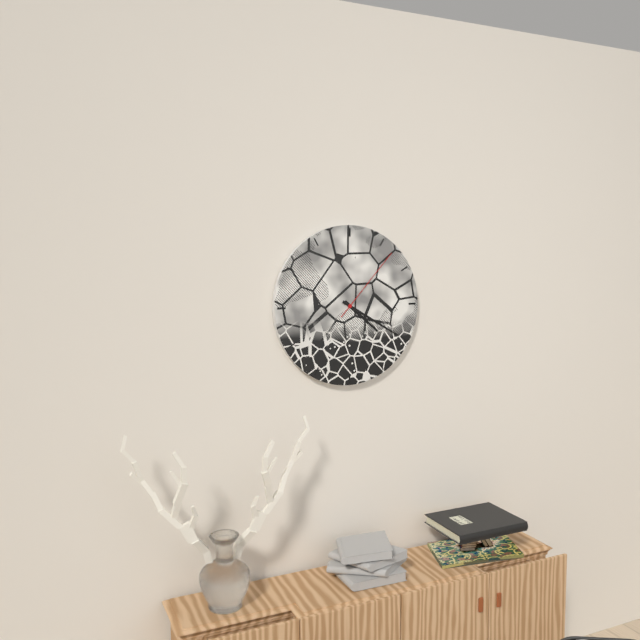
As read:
4 h 20 min 07 s
